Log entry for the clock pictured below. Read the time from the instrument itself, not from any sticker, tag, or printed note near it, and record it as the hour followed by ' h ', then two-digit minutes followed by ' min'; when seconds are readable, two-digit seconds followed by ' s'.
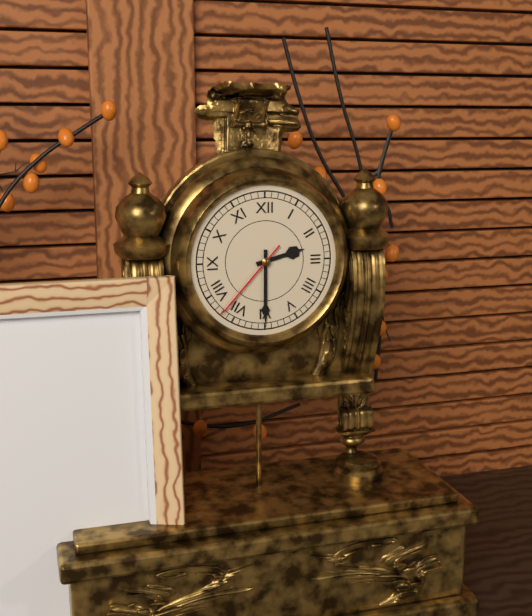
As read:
2 h 30 min 37 s
